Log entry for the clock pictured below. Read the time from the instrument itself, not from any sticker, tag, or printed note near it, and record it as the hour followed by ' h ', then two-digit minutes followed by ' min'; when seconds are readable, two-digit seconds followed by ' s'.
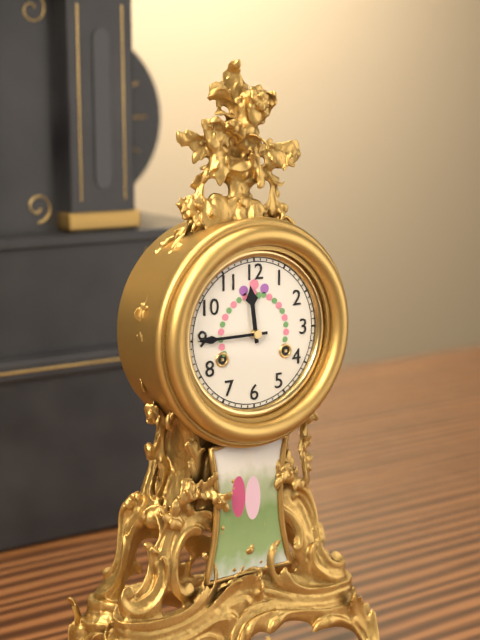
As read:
11 h 45 min
